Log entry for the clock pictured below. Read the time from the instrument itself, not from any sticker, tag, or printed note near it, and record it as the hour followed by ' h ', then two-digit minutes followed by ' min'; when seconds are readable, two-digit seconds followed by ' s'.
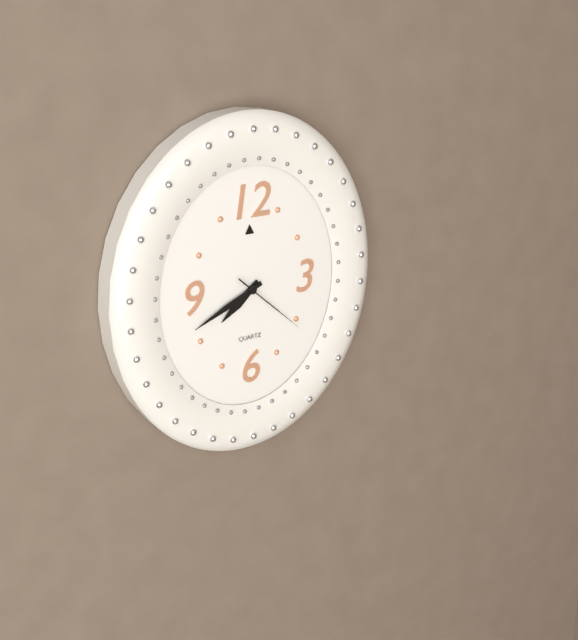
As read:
7 h 41 min 22 s
